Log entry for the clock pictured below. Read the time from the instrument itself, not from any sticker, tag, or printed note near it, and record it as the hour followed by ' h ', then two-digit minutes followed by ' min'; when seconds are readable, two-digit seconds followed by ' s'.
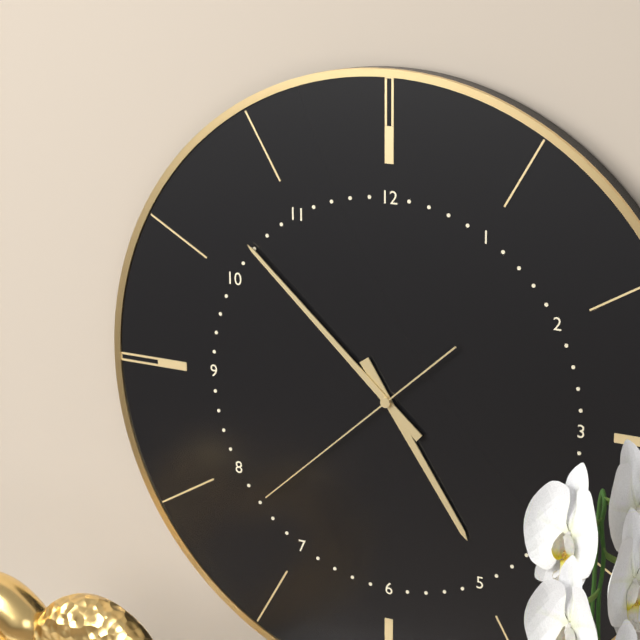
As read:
4 h 52 min 38 s
